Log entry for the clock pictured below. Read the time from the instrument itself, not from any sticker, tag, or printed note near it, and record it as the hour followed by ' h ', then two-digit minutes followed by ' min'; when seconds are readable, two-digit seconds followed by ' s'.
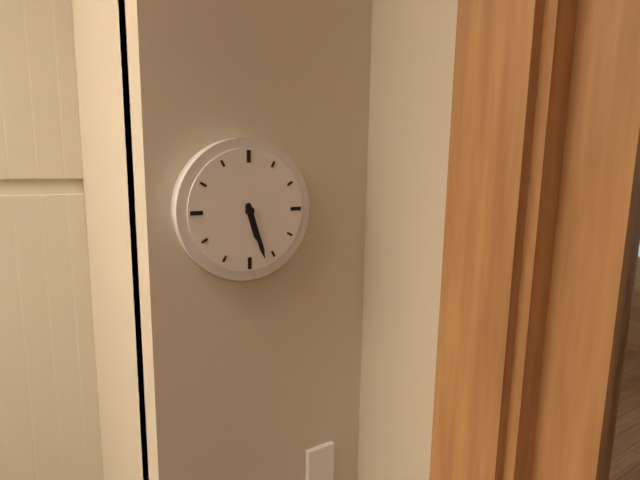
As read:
5 h 27 min
